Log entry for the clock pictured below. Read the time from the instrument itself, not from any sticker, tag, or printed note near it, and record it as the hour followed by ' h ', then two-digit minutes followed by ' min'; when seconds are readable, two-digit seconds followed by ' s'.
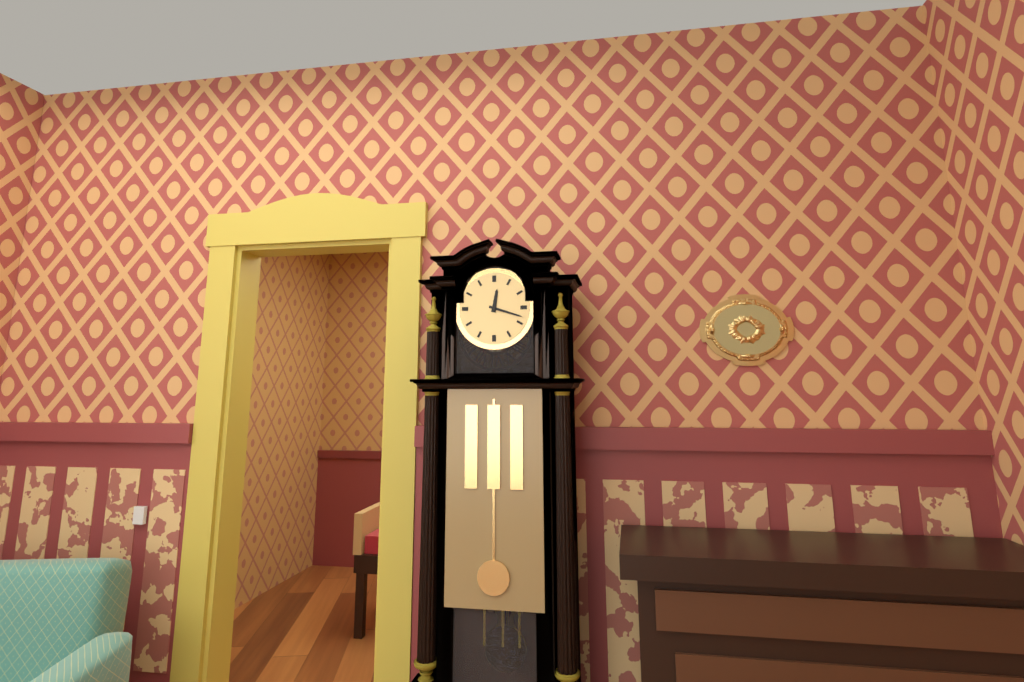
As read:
12 h 18 min
